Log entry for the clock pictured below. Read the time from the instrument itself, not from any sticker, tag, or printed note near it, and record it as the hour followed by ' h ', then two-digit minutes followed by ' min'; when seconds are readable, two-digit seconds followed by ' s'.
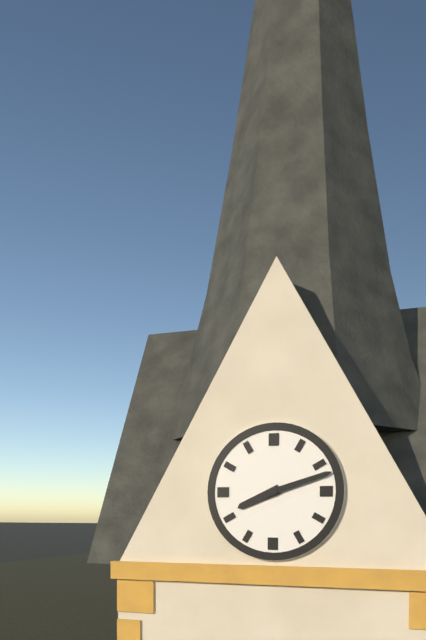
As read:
8 h 12 min
